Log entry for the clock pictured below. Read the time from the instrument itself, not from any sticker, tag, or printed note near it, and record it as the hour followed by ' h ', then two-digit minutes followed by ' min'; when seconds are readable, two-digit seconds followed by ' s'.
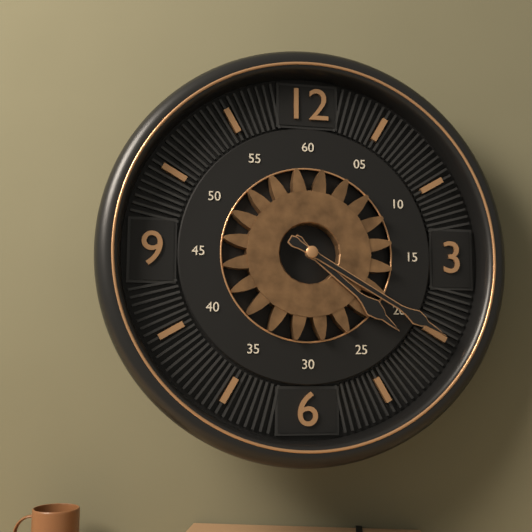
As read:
4 h 20 min
